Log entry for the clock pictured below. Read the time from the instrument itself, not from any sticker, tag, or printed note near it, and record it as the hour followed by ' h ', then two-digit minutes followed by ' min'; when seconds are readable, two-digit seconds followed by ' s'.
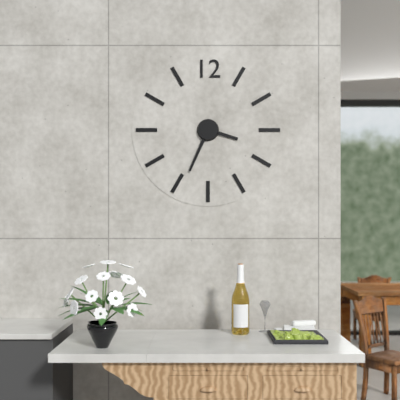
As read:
3 h 34 min
